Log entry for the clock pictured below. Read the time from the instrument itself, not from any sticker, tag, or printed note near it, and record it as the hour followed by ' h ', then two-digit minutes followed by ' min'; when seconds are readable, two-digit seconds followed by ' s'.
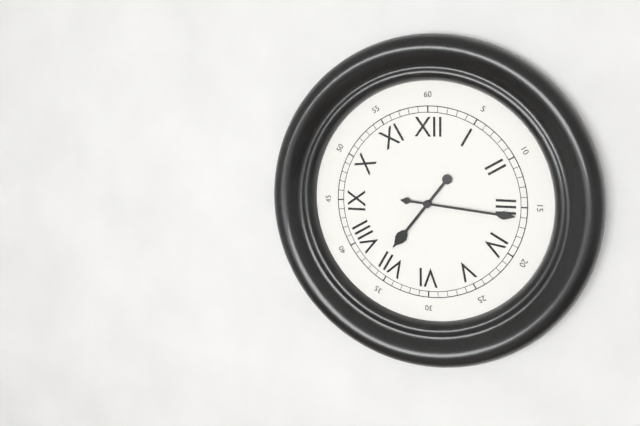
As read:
7 h 16 min
